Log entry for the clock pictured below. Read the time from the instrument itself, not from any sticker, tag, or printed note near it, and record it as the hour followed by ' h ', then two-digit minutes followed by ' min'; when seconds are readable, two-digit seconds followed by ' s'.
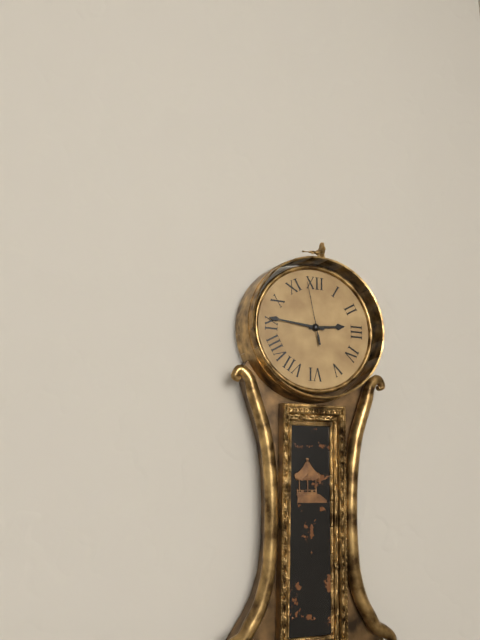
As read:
2 h 46 min 58 s
